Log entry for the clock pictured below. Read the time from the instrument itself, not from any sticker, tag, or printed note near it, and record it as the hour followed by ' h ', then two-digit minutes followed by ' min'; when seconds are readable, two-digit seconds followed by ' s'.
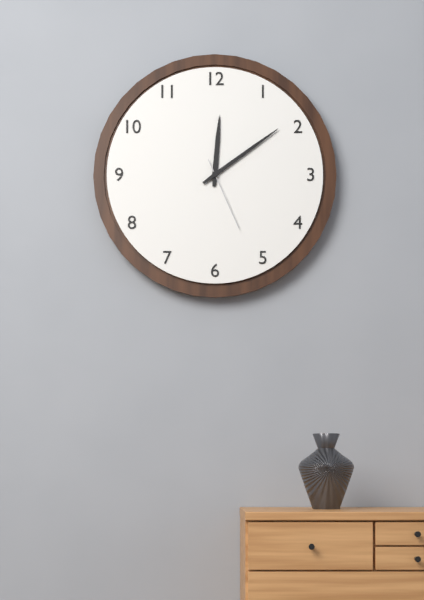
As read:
12 h 09 min 26 s
